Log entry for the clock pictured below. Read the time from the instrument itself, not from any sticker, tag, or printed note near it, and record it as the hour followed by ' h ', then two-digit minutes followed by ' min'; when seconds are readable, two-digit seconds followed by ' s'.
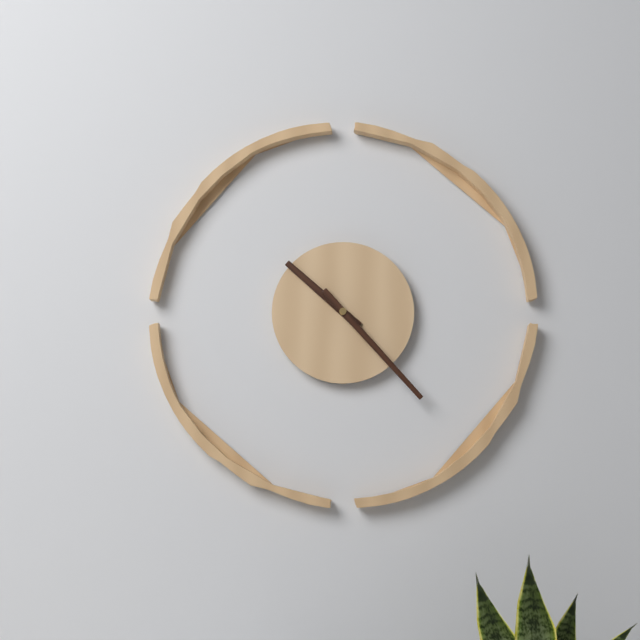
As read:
10 h 23 min
